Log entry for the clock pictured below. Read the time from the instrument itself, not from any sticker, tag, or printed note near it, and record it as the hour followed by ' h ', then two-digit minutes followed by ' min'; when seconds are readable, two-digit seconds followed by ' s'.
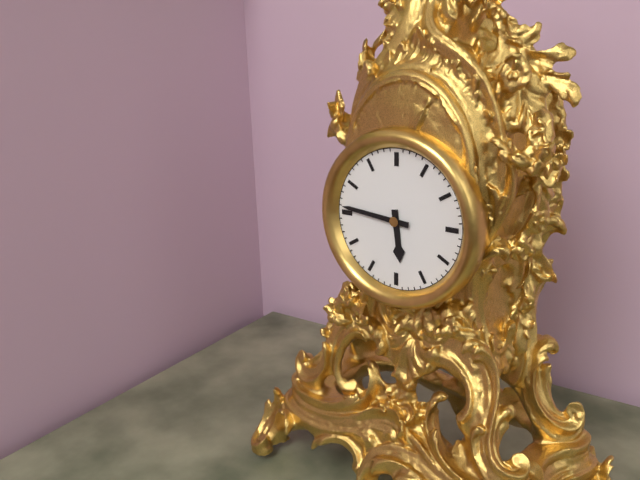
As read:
5 h 46 min
